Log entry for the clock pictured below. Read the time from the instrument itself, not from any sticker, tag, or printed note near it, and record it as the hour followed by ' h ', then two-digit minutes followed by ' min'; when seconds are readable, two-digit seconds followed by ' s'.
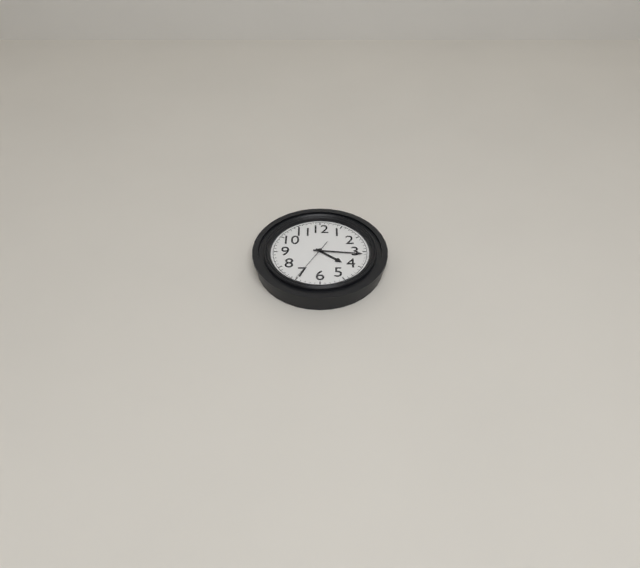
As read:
4 h 16 min
